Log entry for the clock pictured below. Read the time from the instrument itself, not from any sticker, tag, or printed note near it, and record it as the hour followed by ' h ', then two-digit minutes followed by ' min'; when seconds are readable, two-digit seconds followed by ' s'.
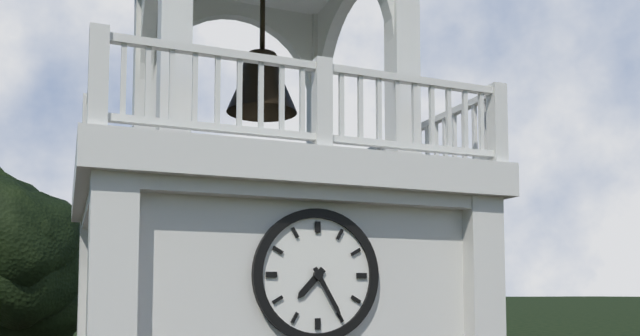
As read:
7 h 25 min
